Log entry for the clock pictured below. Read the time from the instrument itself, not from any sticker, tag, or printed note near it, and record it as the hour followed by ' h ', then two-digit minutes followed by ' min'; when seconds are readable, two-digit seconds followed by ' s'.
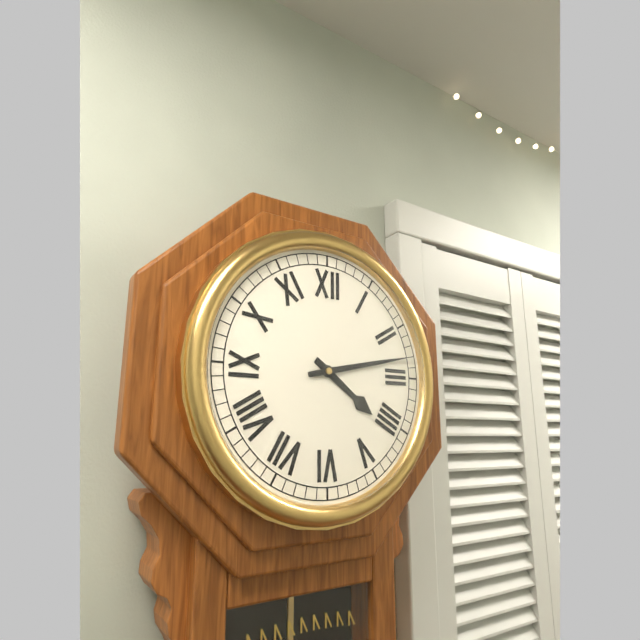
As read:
4 h 13 min
